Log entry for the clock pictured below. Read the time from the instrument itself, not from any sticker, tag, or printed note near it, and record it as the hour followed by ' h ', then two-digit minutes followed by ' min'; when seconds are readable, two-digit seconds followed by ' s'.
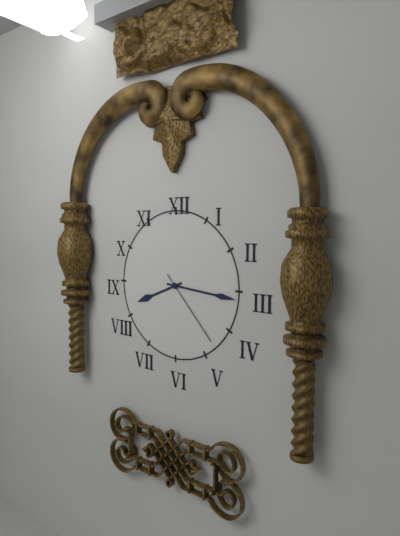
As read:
8 h 16 min 23 s
